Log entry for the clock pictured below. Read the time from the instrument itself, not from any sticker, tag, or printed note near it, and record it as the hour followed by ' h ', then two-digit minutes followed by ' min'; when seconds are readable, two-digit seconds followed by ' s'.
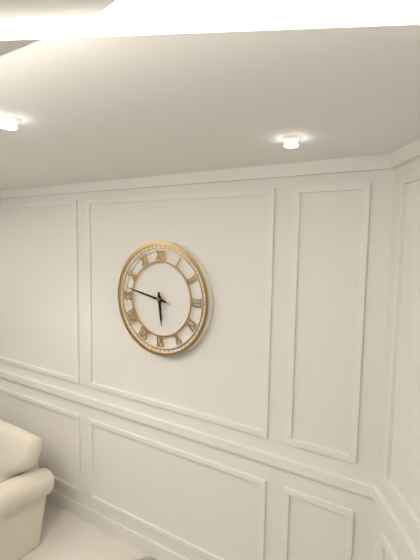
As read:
5 h 47 min
